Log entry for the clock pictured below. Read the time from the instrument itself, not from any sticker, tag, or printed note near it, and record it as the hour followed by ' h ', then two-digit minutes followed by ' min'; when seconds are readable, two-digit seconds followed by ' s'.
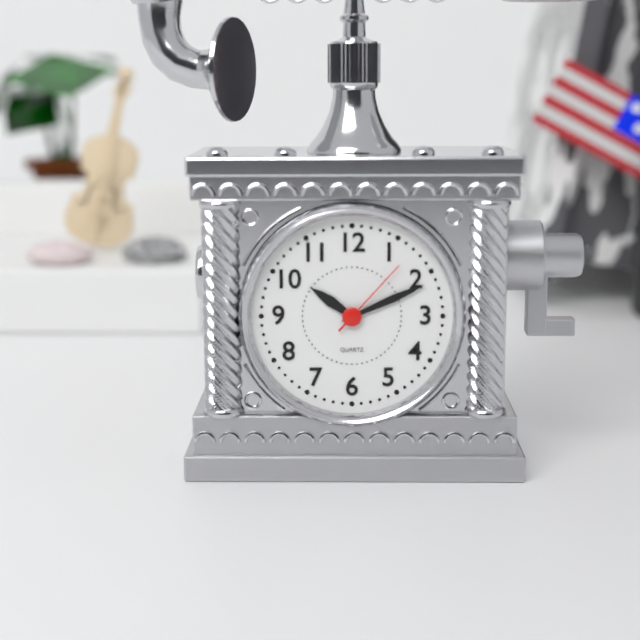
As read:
10 h 11 min 07 s
